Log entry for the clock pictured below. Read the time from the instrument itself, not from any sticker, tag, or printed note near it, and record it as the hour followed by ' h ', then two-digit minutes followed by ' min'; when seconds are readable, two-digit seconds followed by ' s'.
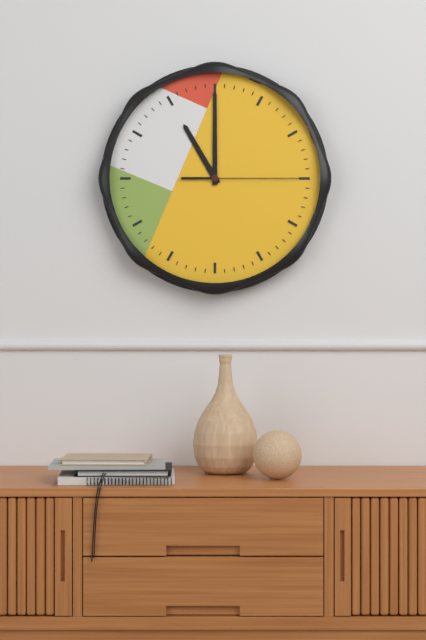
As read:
11 h 00 min 15 s
